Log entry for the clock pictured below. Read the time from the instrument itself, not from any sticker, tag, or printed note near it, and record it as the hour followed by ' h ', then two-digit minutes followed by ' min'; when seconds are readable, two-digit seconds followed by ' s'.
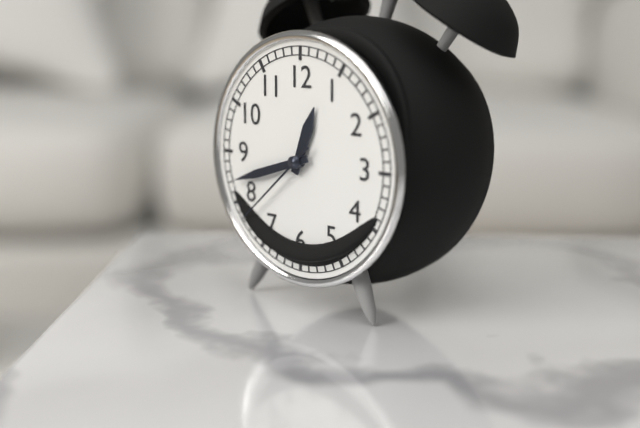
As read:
12 h 42 min 38 s
